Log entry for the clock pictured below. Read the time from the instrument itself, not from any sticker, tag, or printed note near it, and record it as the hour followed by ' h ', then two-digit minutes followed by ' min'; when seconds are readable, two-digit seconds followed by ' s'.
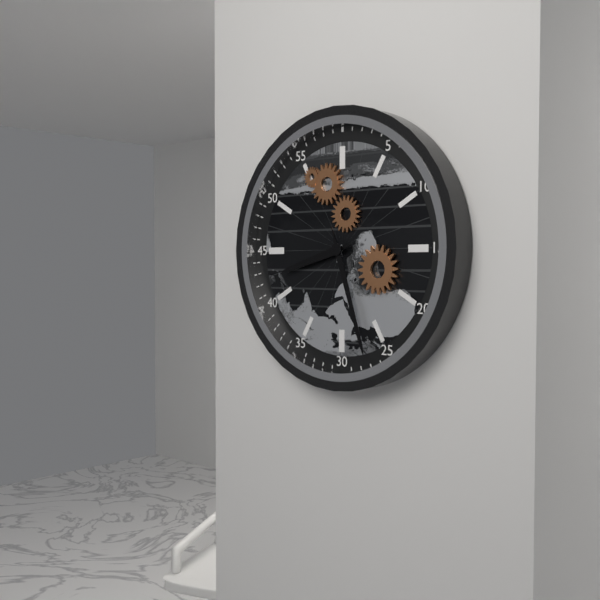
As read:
8 h 27 min
